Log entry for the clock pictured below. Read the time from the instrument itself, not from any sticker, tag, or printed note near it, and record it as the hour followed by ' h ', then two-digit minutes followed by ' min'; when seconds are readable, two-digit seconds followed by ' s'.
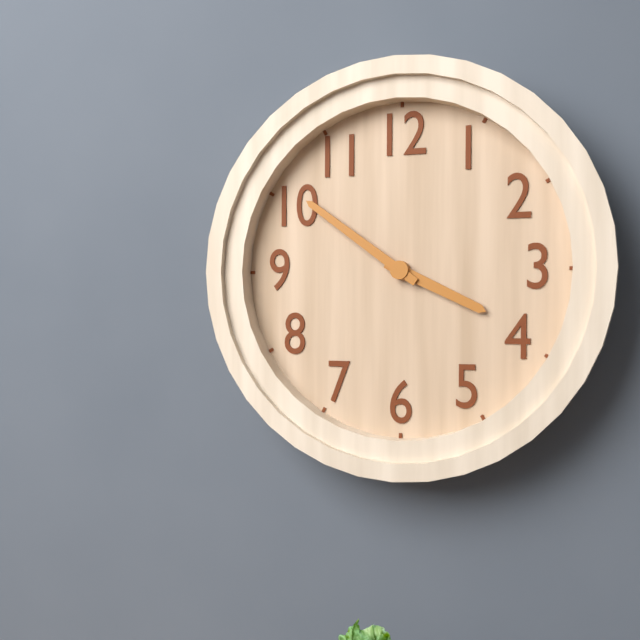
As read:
3 h 51 min
